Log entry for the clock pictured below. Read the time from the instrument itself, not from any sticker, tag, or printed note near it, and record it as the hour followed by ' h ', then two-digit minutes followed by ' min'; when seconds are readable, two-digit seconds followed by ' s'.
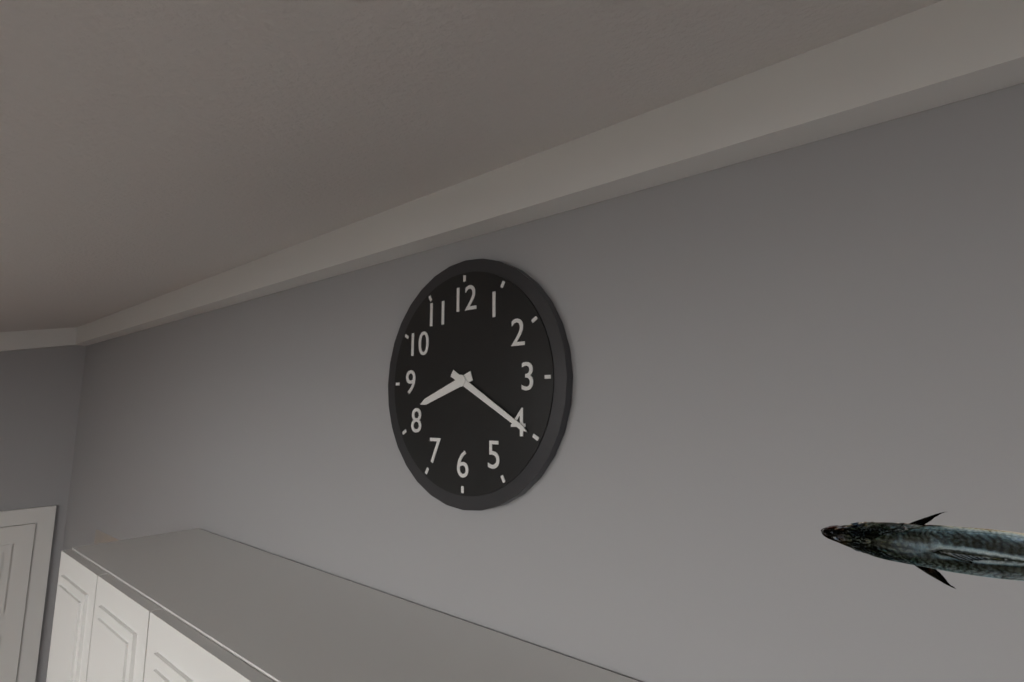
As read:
8 h 20 min
